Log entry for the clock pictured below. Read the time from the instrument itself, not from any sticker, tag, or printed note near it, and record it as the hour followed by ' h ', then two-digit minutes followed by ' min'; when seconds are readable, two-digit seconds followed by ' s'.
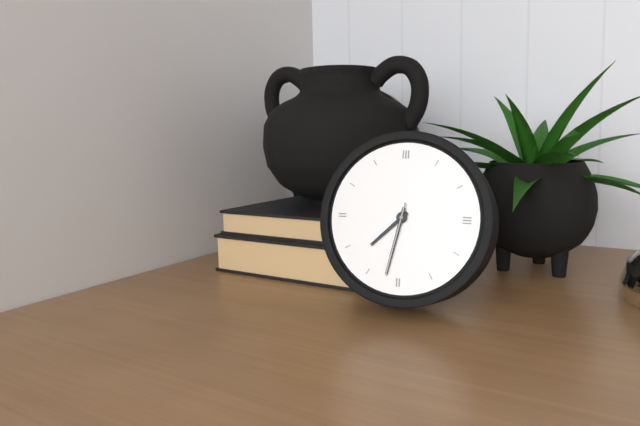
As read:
7 h 32 min 32 s
